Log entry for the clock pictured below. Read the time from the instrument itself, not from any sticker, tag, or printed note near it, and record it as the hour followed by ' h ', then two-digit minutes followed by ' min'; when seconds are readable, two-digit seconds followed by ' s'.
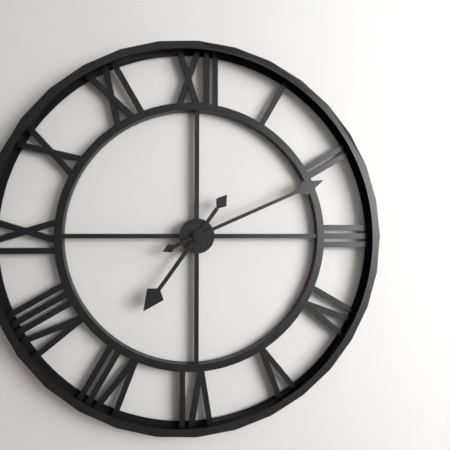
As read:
7 h 11 min
